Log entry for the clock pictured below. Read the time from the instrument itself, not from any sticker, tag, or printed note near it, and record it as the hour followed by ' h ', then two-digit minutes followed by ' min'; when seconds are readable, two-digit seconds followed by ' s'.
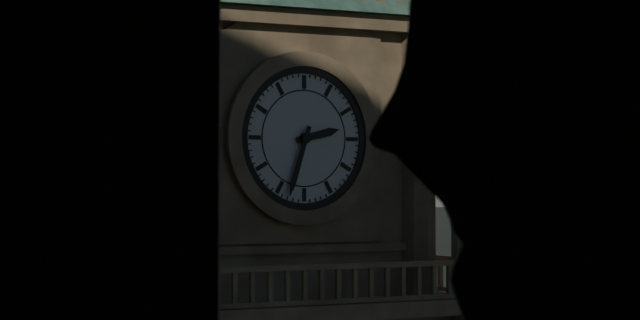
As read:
2 h 33 min
